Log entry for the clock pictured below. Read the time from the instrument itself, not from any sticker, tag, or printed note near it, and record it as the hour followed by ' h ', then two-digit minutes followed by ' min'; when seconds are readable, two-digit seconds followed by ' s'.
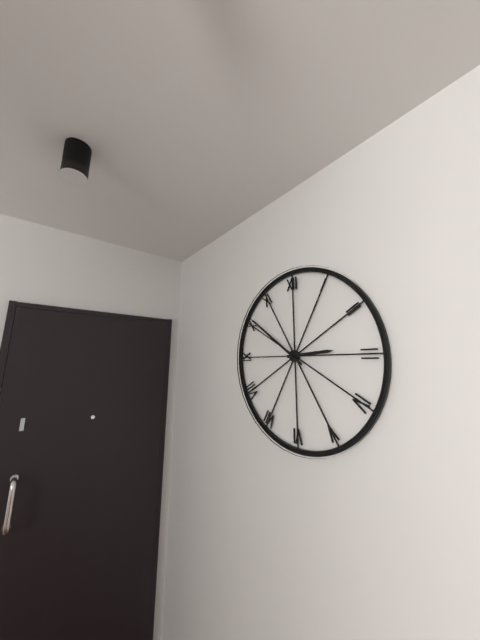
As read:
2 h 51 min
